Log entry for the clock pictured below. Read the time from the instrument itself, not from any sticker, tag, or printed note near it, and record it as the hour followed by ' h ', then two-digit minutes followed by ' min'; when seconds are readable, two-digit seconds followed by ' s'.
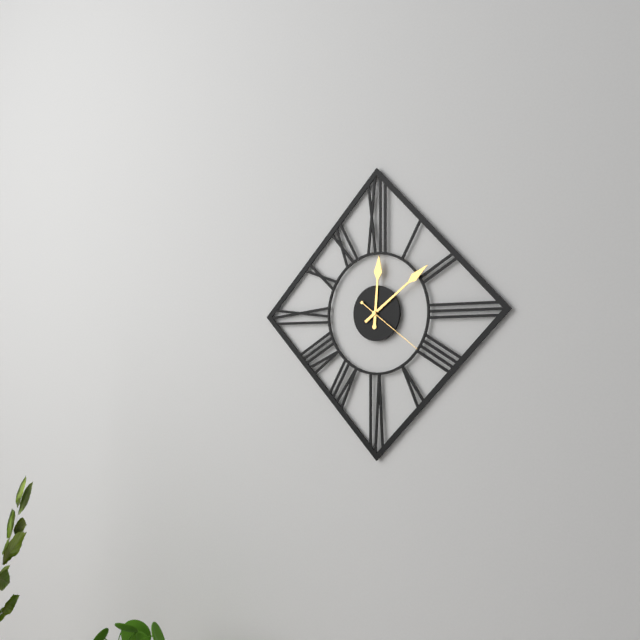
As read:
12 h 09 min 21 s
